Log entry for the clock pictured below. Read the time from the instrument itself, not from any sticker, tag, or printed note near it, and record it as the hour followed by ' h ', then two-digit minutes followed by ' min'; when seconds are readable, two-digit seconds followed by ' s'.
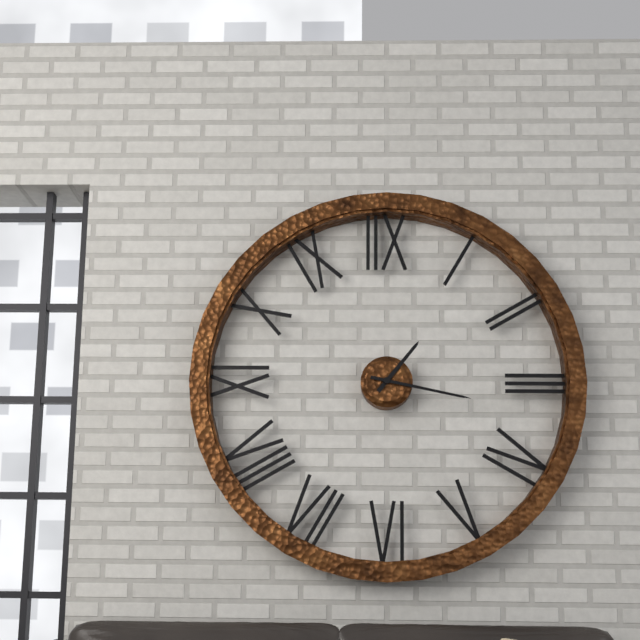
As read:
1 h 17 min
